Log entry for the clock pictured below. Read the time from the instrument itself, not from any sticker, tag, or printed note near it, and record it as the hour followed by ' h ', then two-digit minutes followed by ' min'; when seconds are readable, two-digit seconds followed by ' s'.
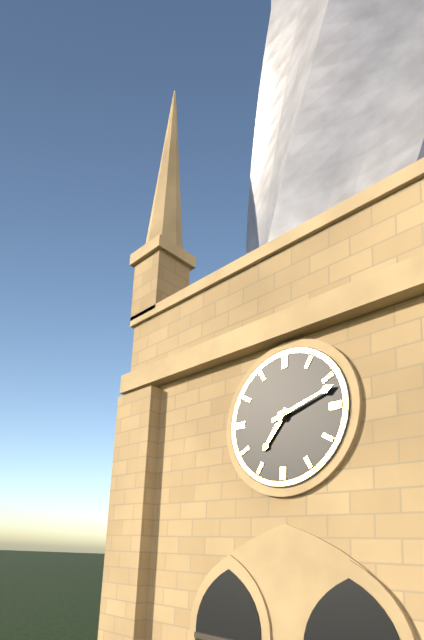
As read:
7 h 12 min
